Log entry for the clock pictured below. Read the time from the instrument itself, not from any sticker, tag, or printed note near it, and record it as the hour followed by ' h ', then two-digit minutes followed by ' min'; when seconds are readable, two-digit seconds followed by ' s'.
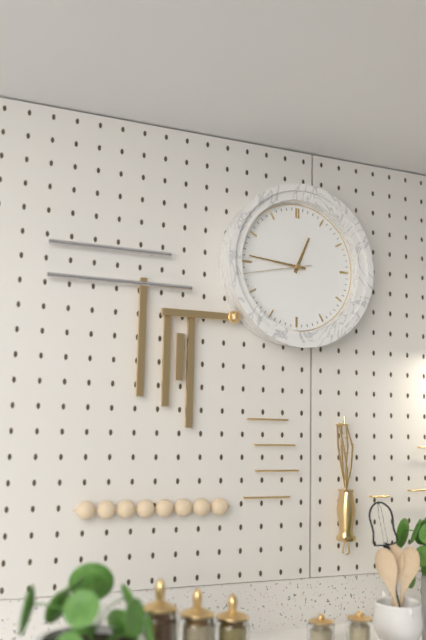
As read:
12 h 46 min 43 s
